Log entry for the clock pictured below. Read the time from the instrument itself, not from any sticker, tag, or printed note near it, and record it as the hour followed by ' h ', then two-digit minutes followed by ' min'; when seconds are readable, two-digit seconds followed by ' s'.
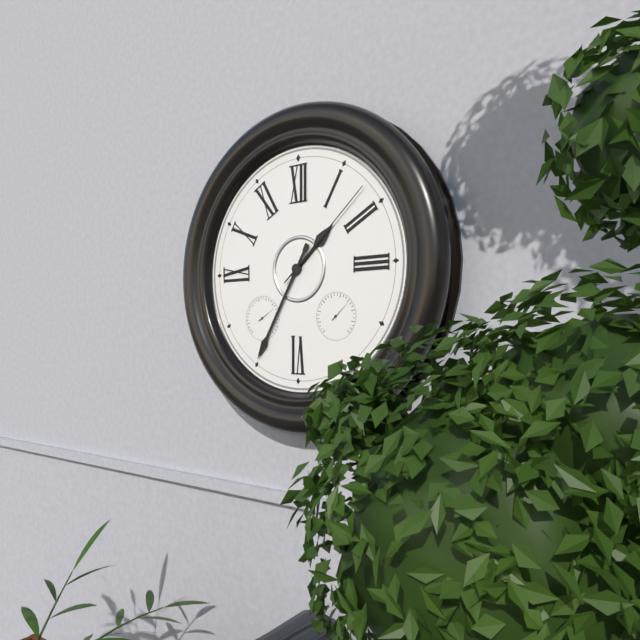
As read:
1 h 35 min 08 s
